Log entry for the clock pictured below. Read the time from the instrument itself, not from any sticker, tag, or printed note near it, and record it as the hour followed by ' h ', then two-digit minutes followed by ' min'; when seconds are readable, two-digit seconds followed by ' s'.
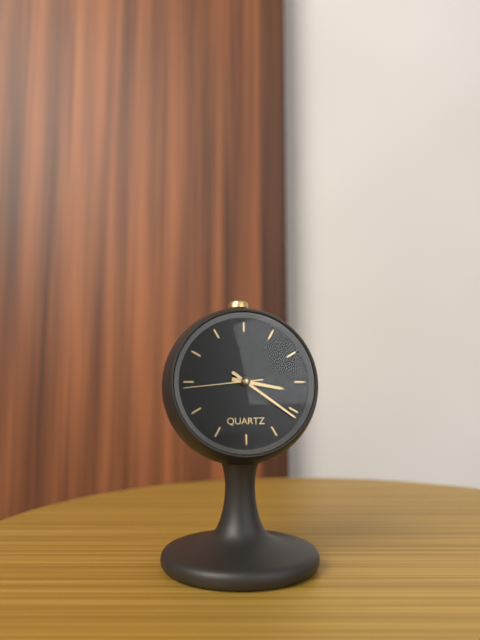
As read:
3 h 21 min 44 s
